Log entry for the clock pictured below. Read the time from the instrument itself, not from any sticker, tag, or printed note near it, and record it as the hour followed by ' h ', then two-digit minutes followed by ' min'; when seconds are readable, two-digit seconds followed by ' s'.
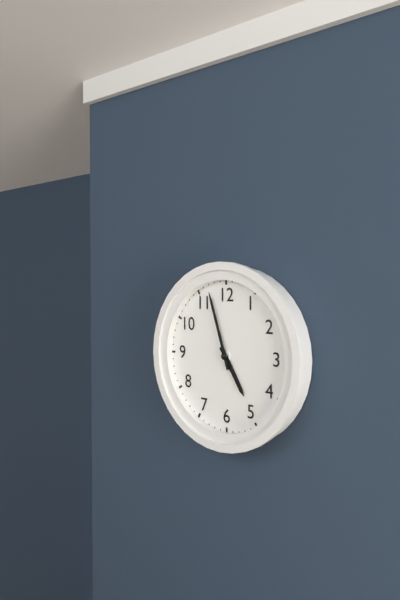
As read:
4 h 57 min
